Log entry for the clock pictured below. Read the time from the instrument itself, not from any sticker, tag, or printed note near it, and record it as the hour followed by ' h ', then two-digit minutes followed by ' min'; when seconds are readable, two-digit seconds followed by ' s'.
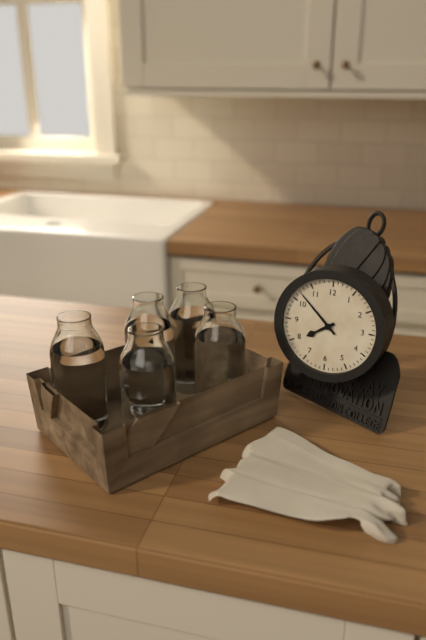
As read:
7 h 52 min
